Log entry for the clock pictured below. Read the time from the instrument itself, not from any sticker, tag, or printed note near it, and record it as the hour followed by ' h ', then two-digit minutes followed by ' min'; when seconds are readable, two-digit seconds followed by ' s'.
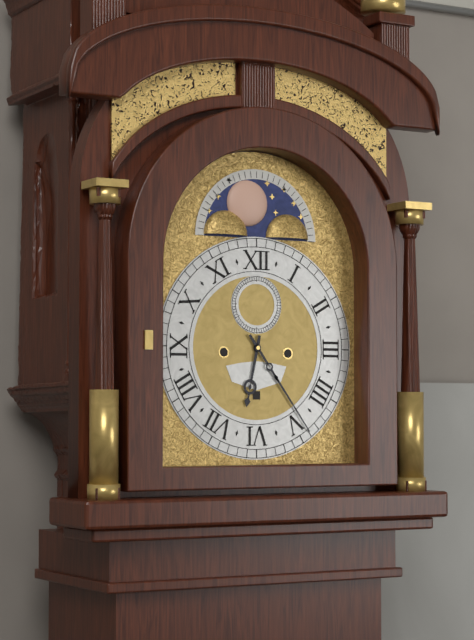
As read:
6 h 24 min
